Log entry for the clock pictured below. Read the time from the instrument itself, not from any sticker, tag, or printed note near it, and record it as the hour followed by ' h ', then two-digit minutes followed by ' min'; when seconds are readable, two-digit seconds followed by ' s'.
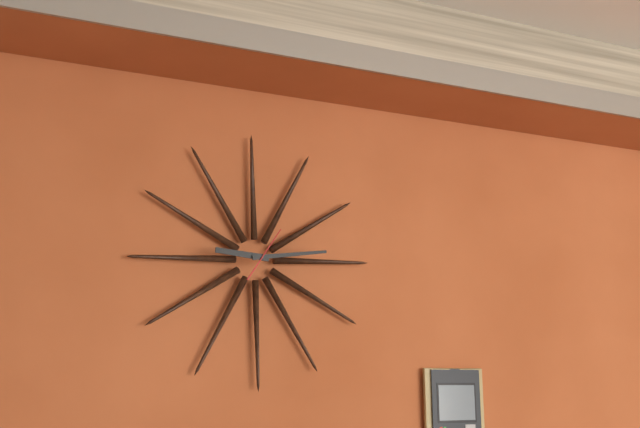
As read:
9 h 14 min
